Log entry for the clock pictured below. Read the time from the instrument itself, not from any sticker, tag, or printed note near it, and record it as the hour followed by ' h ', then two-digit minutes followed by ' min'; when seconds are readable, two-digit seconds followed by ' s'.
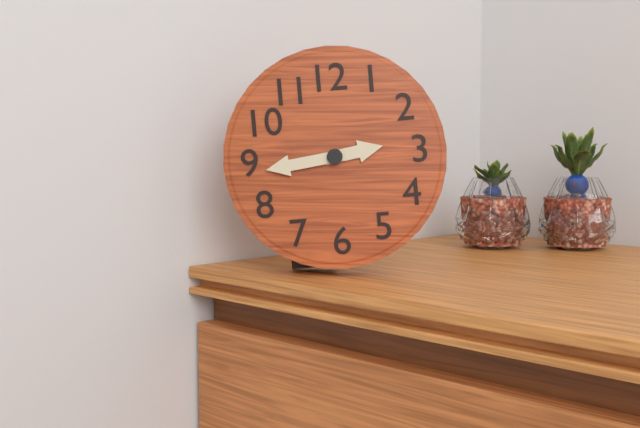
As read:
2 h 44 min
